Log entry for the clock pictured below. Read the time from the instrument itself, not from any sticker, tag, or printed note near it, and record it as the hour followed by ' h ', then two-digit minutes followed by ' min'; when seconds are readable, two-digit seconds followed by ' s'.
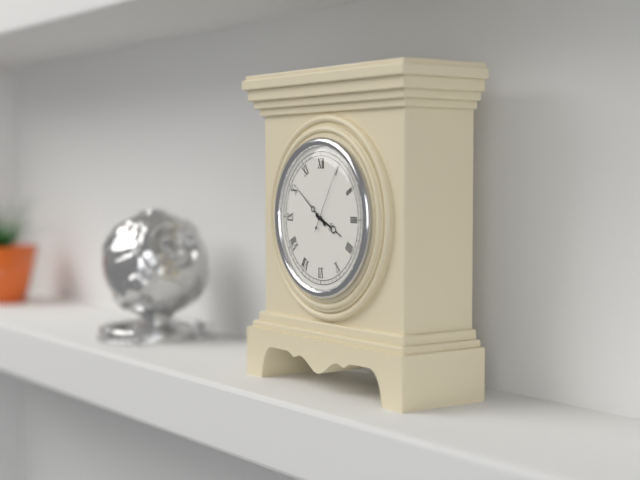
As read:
3 h 51 min 05 s
